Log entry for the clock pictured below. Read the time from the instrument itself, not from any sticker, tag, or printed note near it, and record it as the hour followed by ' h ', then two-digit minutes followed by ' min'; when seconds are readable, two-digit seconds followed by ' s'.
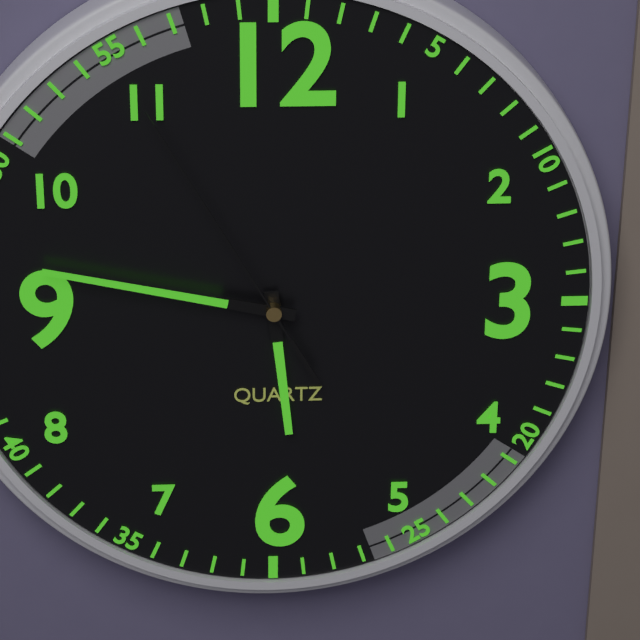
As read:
5 h 47 min 55 s
